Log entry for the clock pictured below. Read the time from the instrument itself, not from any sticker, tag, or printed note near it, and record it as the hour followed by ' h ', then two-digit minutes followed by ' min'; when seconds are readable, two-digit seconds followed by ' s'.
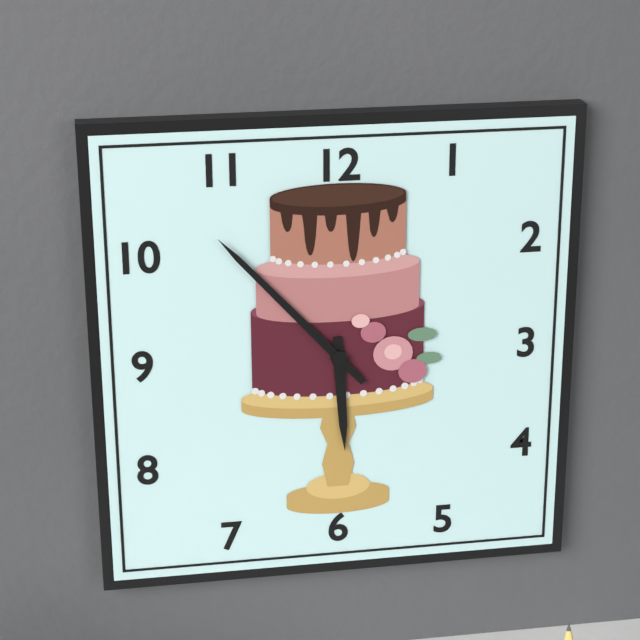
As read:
5 h 53 min
